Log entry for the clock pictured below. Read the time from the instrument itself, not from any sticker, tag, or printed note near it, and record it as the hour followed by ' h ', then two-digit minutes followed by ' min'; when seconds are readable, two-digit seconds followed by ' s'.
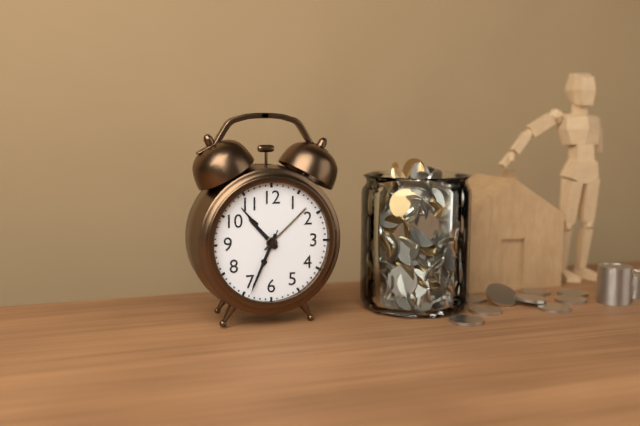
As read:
10 h 34 min 34 s
